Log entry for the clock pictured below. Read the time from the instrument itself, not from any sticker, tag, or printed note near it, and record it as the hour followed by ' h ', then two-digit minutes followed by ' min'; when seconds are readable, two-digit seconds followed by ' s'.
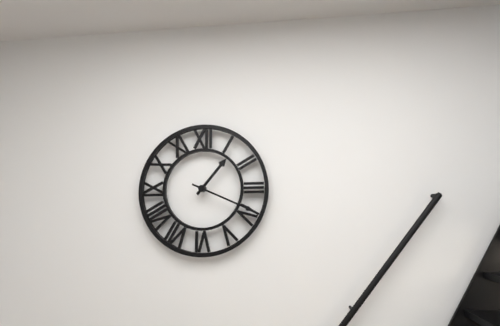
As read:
1 h 19 min
